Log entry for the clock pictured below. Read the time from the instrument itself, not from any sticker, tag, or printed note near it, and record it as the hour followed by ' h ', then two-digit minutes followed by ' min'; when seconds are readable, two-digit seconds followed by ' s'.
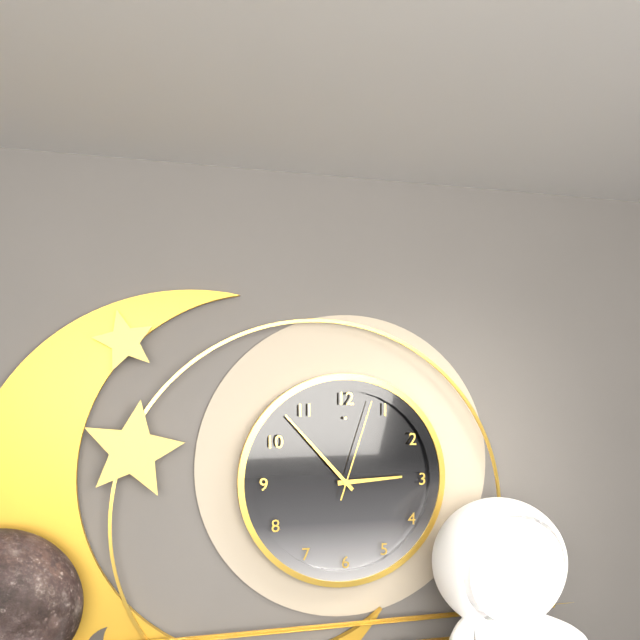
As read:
2 h 53 min 03 s
